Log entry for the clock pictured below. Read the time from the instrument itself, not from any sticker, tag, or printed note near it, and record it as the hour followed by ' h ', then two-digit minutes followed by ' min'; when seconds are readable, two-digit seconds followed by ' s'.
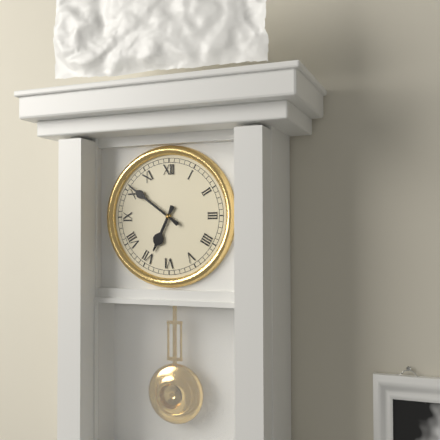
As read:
6 h 51 min
